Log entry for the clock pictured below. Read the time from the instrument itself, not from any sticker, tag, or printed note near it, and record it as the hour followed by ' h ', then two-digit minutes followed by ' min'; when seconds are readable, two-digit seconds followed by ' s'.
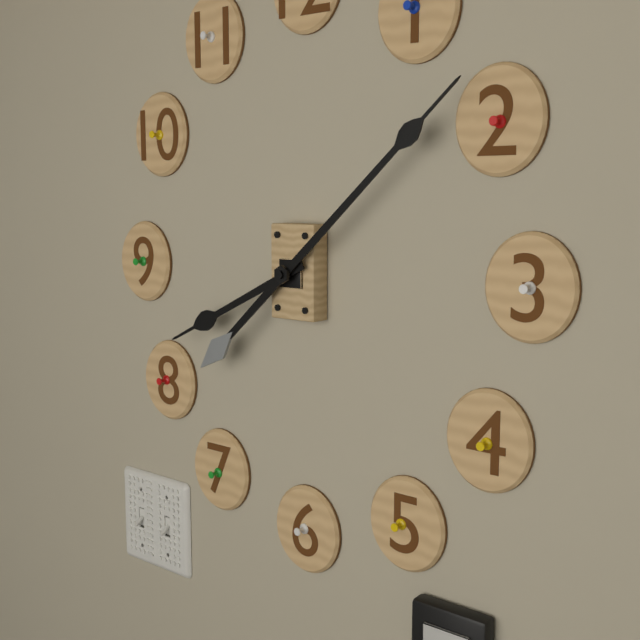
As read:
8 h 08 min
